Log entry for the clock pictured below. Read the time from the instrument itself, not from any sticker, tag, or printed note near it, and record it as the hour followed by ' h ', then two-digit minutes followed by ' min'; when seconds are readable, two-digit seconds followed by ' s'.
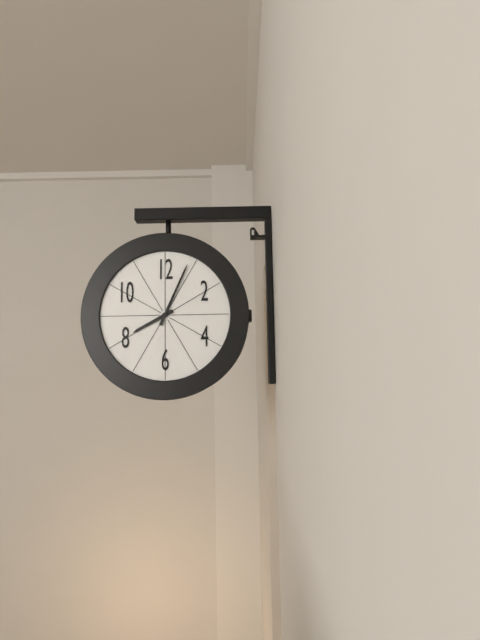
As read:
8 h 04 min
